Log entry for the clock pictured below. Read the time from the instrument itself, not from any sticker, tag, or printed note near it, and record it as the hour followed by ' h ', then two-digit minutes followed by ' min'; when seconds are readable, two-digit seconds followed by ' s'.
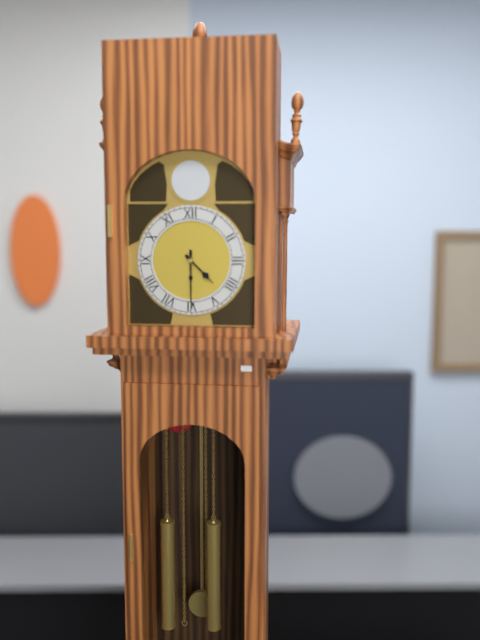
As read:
4 h 30 min
